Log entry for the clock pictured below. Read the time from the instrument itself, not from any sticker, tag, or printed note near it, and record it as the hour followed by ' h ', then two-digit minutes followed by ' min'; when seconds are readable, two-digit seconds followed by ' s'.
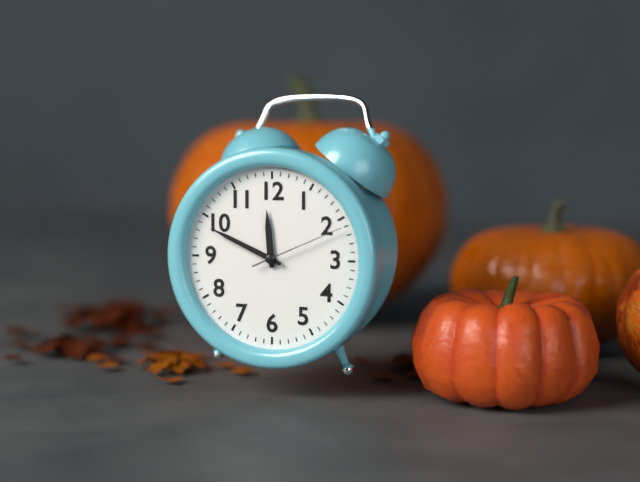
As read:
11 h 49 min 11 s
